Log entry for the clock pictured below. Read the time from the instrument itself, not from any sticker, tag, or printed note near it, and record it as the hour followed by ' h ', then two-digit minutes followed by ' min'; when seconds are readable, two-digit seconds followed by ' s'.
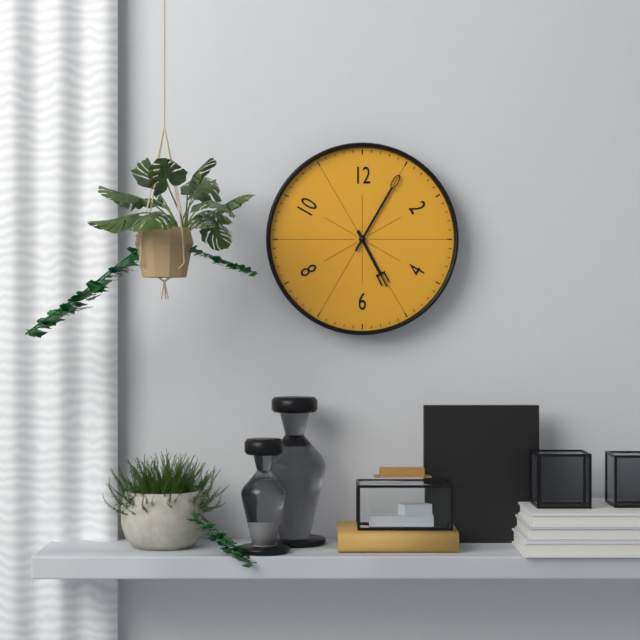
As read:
5 h 05 min
